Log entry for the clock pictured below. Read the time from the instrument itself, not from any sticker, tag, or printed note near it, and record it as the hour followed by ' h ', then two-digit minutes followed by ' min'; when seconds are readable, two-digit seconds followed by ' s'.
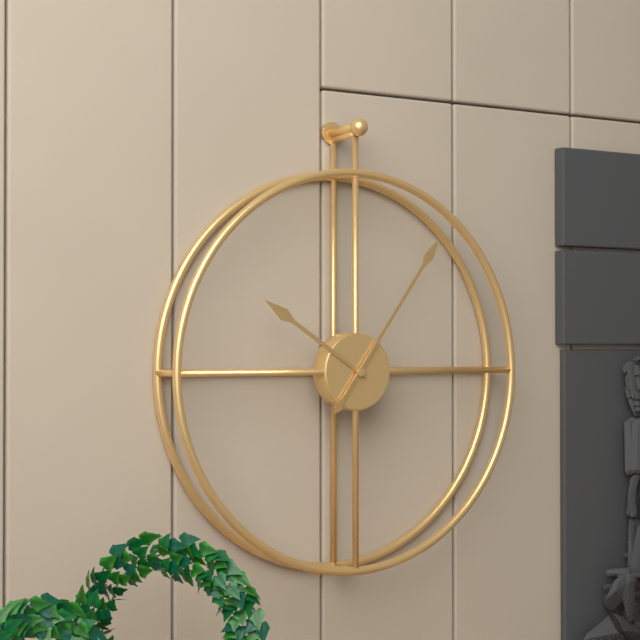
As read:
10 h 06 min
